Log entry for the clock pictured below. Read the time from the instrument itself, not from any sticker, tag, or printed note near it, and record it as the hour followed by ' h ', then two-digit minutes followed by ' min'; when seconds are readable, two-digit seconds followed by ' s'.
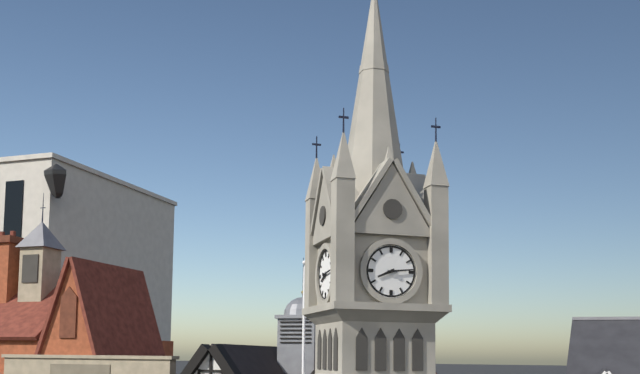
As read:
8 h 14 min
